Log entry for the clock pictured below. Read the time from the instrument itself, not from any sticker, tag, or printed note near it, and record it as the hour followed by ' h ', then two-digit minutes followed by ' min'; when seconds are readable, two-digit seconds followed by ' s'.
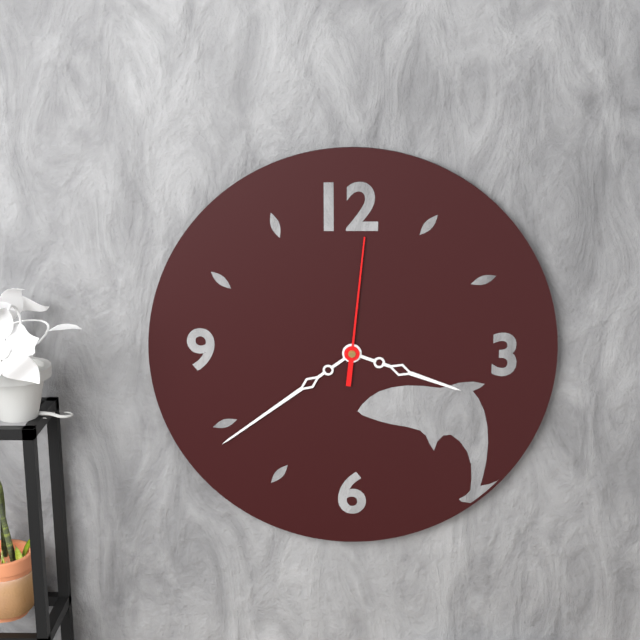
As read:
3 h 39 min 01 s
